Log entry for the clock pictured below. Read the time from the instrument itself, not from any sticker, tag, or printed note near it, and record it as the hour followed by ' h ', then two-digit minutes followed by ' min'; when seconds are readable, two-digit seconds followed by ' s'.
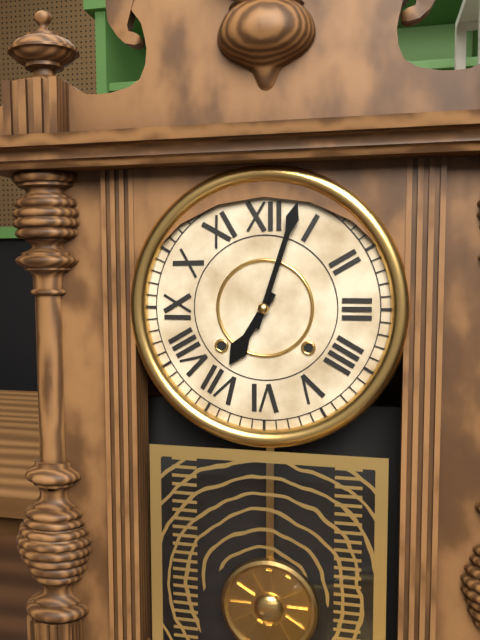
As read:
7 h 03 min
